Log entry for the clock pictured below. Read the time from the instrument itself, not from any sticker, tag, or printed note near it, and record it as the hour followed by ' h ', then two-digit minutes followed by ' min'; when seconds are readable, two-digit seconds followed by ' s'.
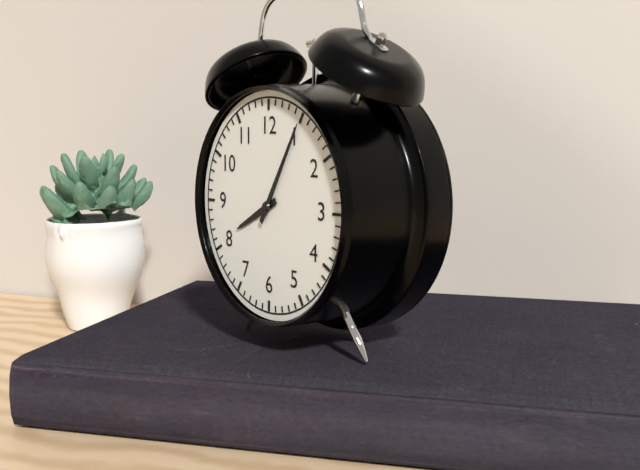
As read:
8 h 05 min
